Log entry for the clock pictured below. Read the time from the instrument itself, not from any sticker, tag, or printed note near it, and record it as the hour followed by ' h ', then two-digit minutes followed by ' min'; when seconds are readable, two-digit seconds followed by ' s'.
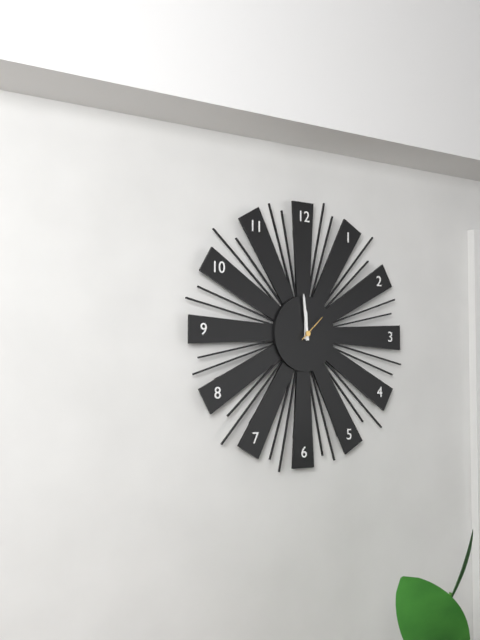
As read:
11 h 59 min
